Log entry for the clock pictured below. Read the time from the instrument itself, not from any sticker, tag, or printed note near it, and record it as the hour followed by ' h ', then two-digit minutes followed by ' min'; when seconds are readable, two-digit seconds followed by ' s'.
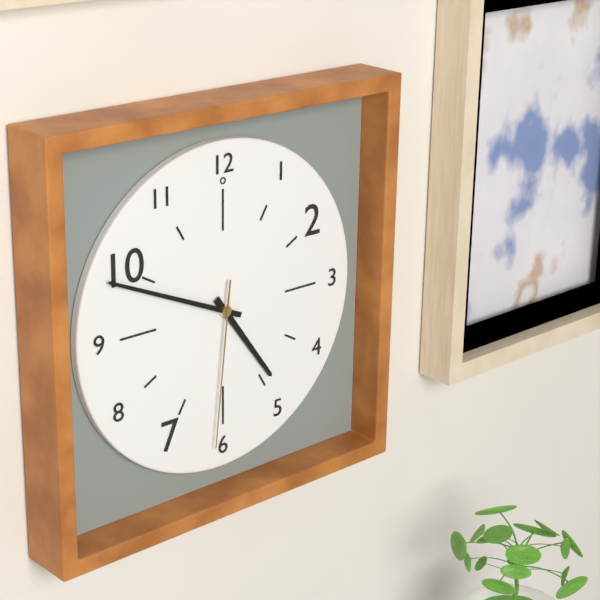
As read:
4 h 49 min 31 s
